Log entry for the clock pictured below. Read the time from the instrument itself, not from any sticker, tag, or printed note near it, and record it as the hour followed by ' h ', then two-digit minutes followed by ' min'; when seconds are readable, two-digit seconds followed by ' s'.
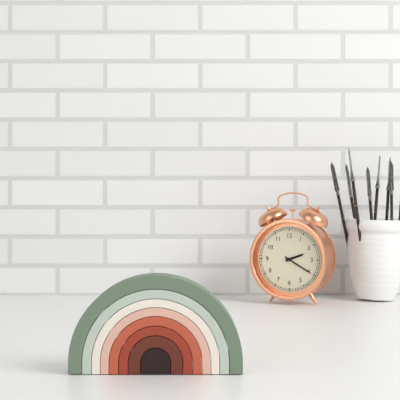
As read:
2 h 20 min
